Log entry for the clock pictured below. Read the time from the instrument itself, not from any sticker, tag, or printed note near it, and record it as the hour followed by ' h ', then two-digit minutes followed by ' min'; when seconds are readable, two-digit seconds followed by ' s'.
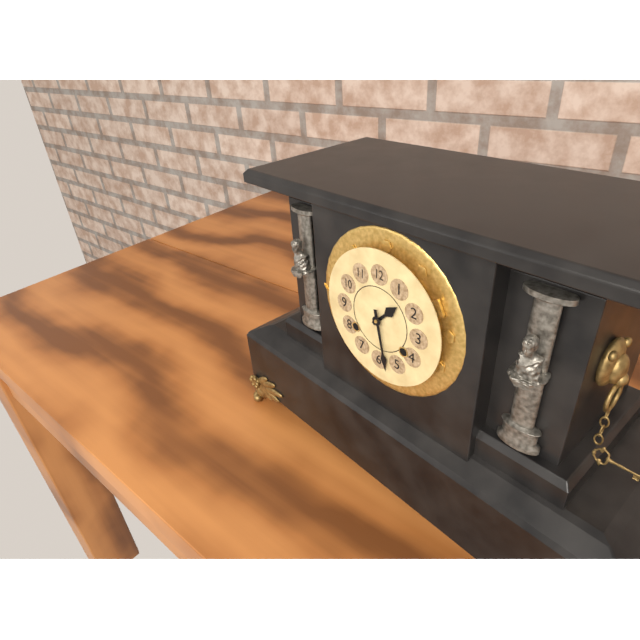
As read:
1 h 28 min
